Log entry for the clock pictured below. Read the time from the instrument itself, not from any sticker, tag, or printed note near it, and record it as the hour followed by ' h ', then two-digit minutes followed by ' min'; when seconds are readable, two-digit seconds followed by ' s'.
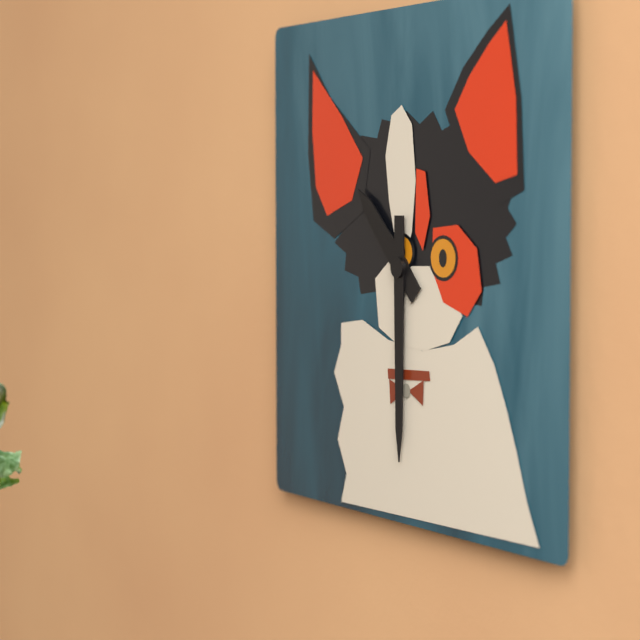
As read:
10 h 30 min
